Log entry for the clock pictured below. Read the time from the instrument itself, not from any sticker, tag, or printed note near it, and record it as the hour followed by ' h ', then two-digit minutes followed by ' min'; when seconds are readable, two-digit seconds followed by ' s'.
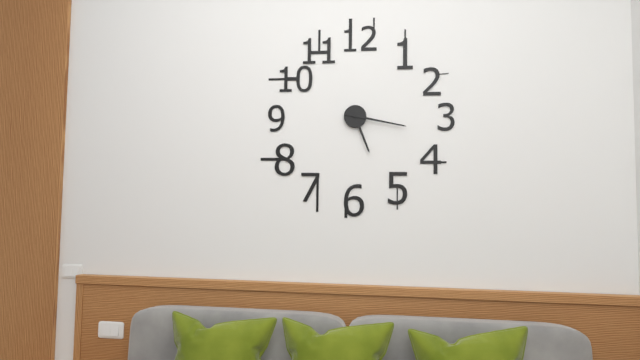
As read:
5 h 17 min
